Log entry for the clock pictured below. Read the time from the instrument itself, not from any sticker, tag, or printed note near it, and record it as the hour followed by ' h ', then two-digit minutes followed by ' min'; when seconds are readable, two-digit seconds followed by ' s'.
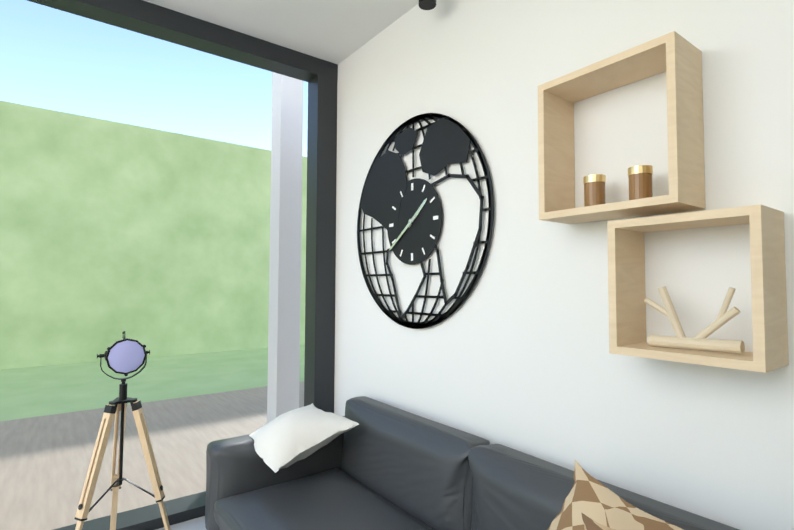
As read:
1 h 39 min
